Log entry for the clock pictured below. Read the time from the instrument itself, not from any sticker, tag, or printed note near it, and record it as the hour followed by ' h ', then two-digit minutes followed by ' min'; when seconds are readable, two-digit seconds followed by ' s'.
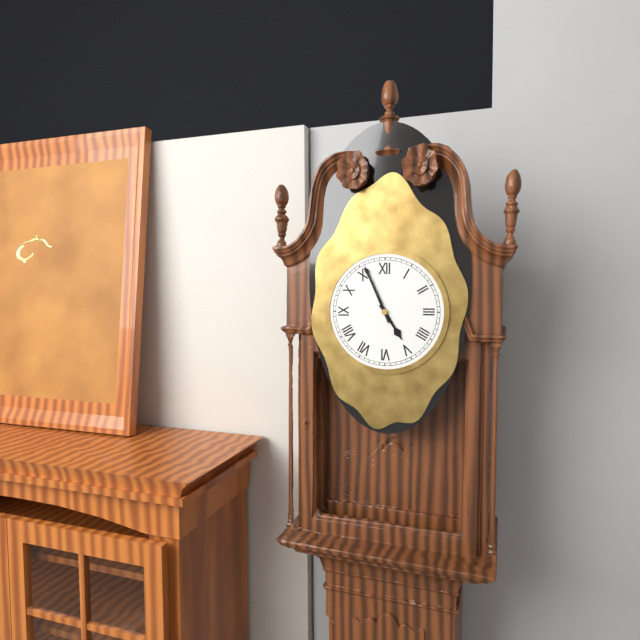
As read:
4 h 56 min
